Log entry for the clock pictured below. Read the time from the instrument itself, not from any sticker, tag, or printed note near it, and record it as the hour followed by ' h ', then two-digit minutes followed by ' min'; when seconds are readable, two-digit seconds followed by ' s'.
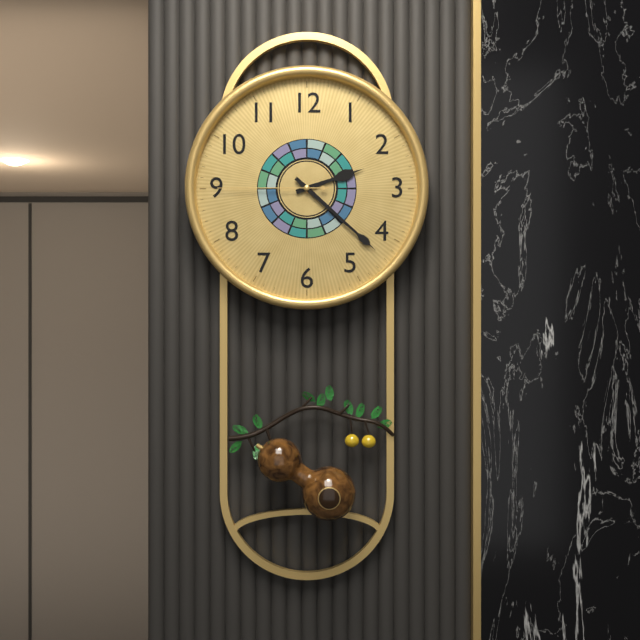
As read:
2 h 22 min 45 s
